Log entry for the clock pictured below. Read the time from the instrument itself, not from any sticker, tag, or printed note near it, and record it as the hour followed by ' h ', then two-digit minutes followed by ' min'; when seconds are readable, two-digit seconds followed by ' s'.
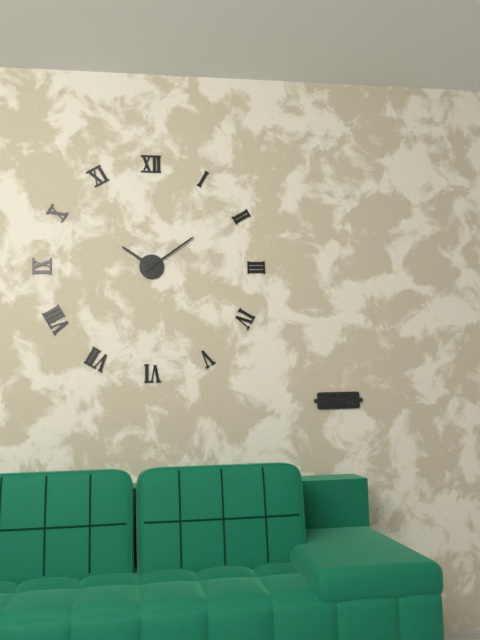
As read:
10 h 09 min
